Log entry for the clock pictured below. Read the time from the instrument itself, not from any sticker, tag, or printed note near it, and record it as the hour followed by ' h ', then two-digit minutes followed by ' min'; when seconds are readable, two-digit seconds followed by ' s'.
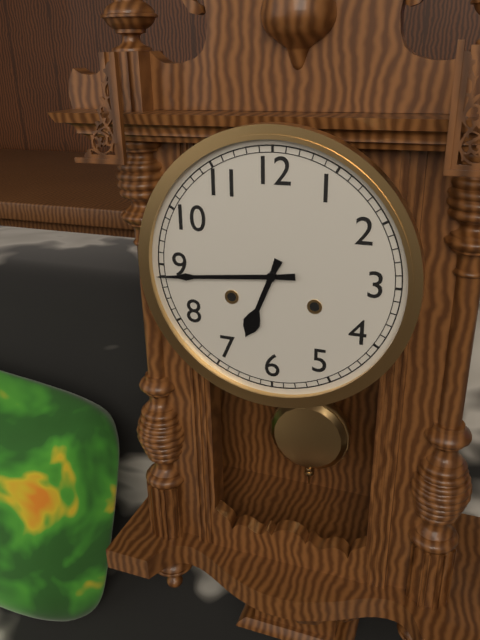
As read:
6 h 44 min
